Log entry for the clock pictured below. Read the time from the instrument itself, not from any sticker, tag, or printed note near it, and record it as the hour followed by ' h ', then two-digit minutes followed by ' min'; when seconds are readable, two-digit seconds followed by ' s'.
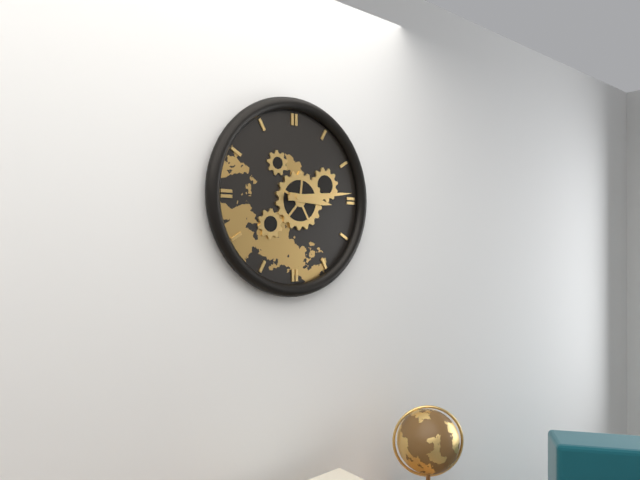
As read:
3 h 14 min
